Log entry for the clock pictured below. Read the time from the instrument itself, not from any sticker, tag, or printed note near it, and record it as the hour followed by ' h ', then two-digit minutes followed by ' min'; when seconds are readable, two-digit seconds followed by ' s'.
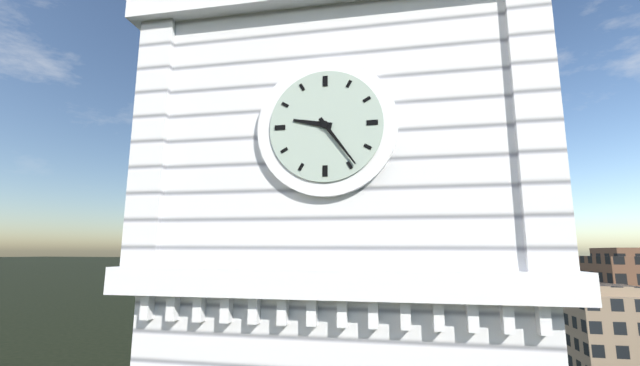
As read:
9 h 24 min
